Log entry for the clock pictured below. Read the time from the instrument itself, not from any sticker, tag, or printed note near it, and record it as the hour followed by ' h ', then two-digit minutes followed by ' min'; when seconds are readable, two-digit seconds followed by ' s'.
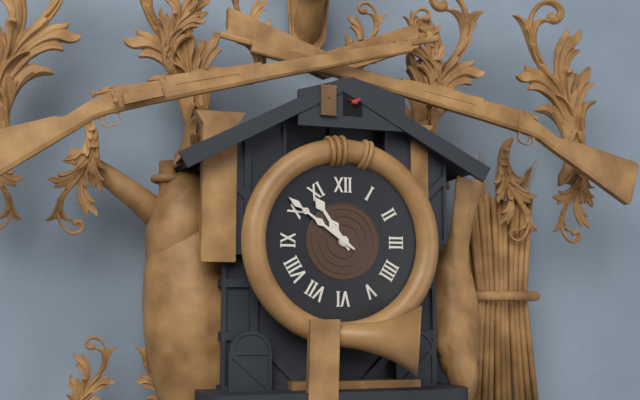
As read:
10 h 51 min
